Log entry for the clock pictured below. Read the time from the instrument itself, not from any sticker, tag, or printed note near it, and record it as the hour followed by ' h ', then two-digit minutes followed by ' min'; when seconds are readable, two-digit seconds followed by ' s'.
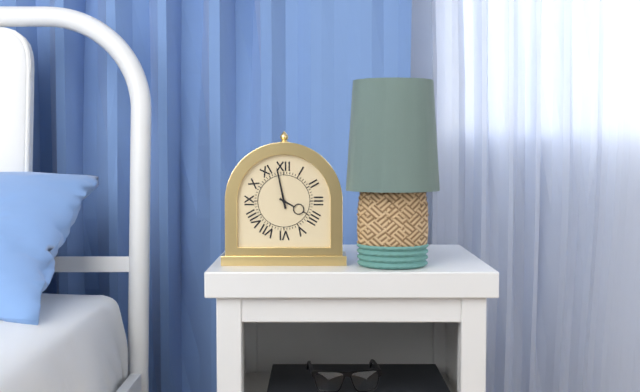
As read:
3 h 58 min
